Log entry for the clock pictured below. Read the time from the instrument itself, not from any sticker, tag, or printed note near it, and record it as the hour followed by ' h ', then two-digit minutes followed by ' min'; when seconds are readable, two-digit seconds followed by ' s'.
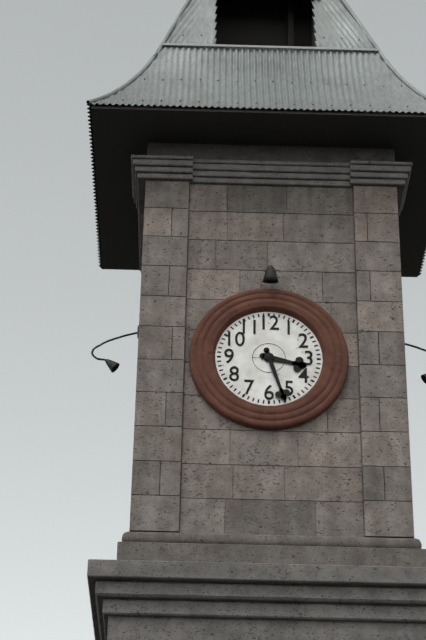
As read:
3 h 27 min
